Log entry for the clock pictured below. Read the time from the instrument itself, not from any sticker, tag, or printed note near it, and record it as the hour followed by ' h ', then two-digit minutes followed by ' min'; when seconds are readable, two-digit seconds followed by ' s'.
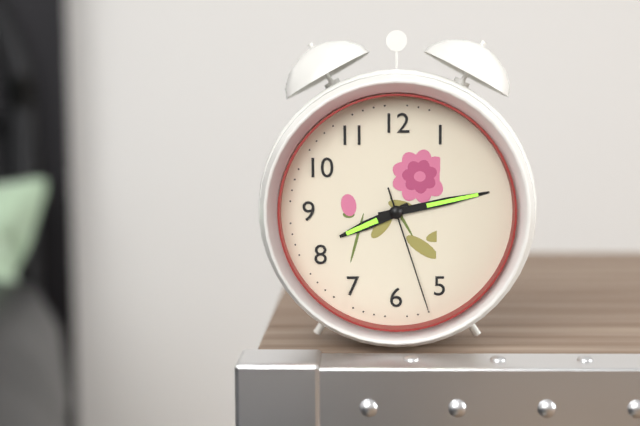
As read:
8 h 13 min 27 s
